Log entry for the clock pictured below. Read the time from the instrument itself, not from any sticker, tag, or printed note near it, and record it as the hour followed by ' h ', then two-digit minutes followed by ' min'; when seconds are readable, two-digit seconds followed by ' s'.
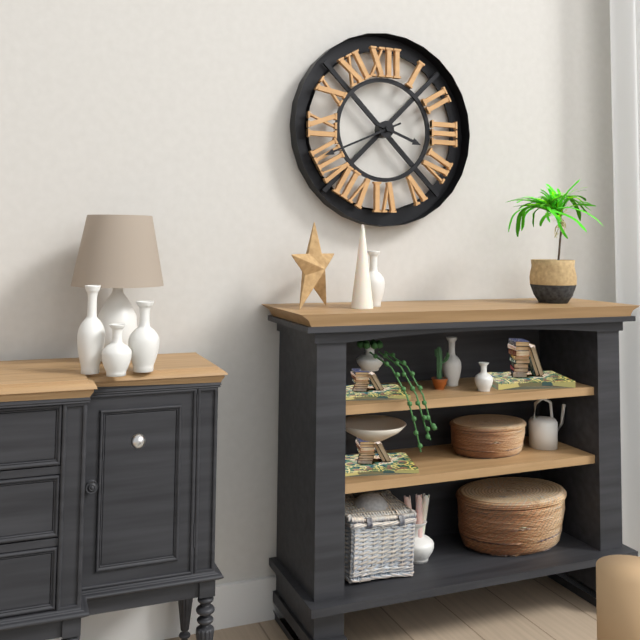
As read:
3 h 41 min
